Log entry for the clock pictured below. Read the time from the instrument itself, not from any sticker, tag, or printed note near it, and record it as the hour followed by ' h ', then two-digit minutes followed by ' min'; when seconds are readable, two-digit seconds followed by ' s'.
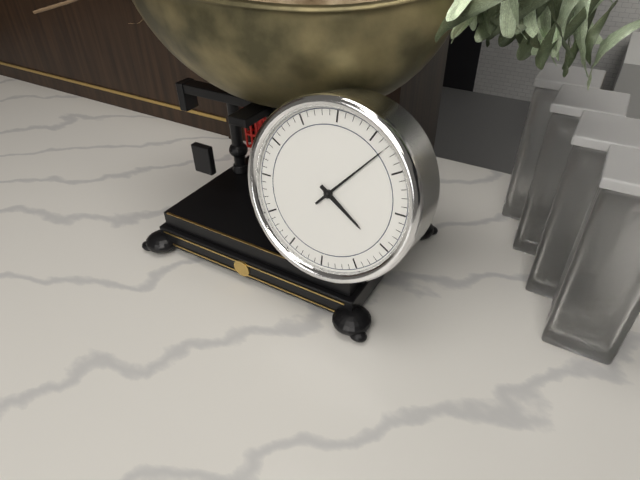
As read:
4 h 07 min
